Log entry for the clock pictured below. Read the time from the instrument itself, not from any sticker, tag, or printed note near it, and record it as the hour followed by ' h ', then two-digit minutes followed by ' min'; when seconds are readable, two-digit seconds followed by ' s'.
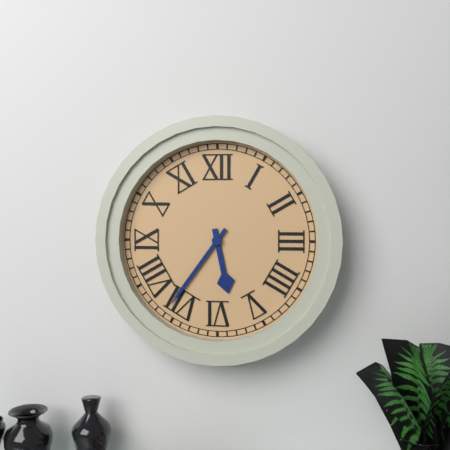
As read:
5 h 36 min
